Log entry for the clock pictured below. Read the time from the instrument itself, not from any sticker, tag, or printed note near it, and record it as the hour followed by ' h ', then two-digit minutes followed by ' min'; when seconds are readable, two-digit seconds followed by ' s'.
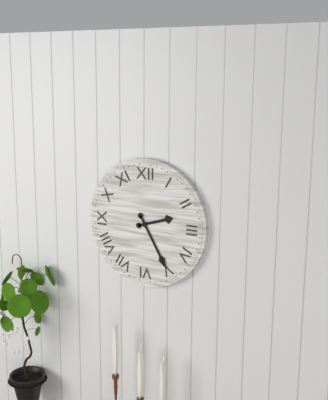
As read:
2 h 25 min
